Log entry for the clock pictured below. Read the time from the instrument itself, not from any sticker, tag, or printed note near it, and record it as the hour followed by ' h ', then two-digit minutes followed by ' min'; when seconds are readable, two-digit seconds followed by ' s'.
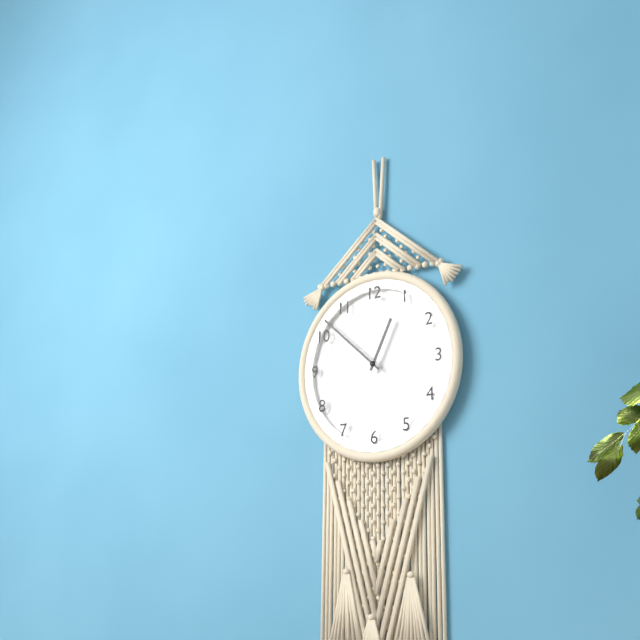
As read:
12 h 52 min
